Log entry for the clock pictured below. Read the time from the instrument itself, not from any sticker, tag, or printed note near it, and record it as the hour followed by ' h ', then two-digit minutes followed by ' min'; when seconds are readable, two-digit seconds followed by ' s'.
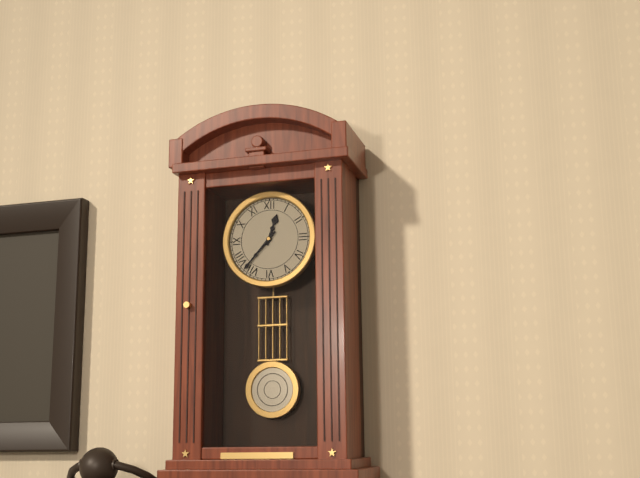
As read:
12 h 37 min
